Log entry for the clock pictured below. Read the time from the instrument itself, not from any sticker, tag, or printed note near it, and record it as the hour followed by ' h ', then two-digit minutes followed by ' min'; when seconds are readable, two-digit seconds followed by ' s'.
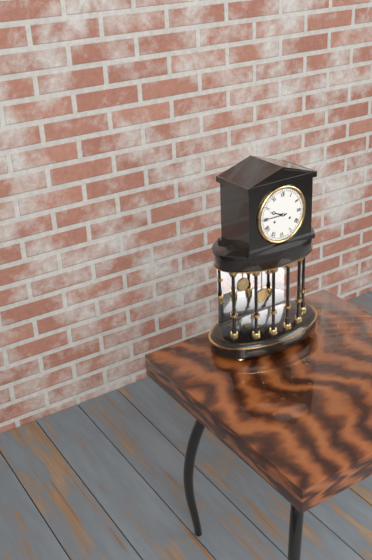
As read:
9 h 45 min
